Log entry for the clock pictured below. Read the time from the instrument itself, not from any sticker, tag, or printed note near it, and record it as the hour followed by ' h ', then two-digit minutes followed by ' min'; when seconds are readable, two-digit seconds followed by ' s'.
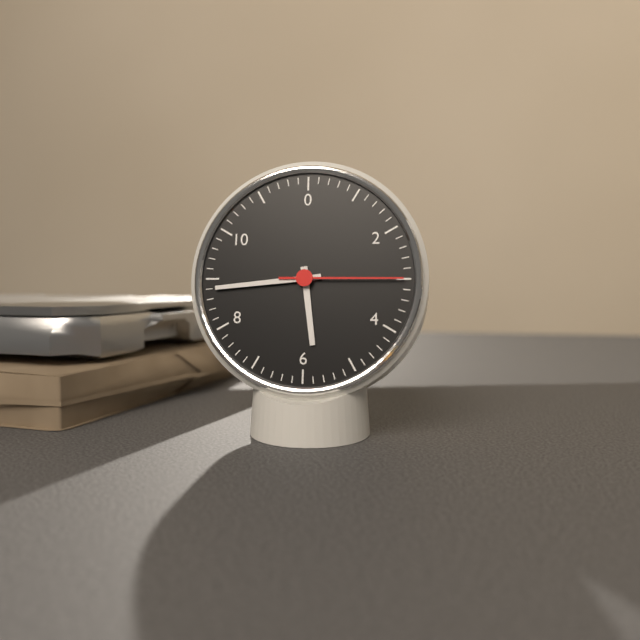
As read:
5 h 44 min 15 s
